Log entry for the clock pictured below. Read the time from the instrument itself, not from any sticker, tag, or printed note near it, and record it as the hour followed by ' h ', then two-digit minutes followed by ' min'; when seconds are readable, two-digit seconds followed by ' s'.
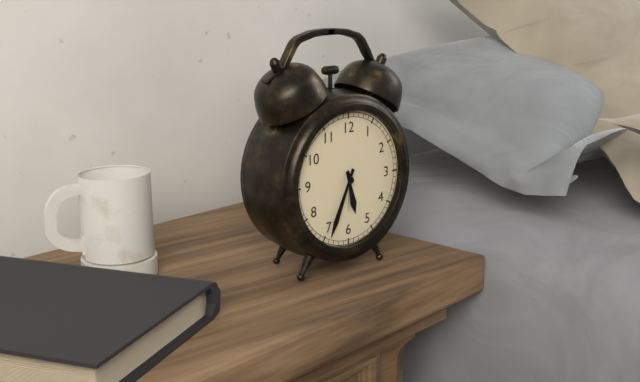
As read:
5 h 34 min
